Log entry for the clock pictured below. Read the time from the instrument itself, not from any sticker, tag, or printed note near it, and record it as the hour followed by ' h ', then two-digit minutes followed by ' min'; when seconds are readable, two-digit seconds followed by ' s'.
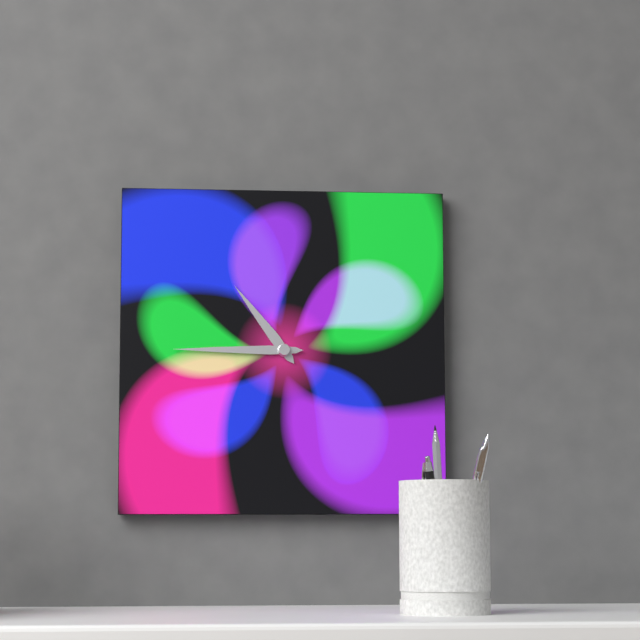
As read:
10 h 45 min
